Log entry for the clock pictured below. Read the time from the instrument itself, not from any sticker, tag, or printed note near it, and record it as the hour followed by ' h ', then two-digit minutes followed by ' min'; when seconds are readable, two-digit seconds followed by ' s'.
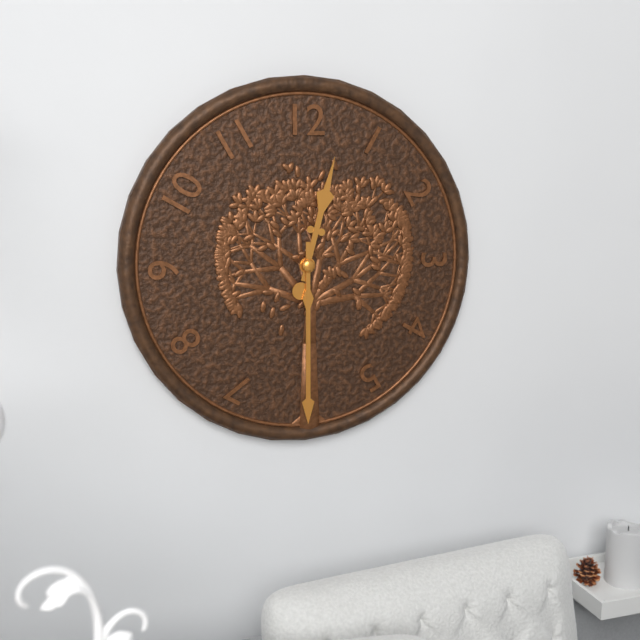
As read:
12 h 30 min
